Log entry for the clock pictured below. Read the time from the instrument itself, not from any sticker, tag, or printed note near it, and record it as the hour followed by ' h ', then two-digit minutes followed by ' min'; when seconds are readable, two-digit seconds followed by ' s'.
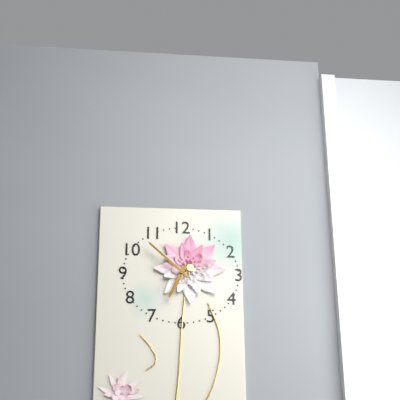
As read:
6 h 52 min
